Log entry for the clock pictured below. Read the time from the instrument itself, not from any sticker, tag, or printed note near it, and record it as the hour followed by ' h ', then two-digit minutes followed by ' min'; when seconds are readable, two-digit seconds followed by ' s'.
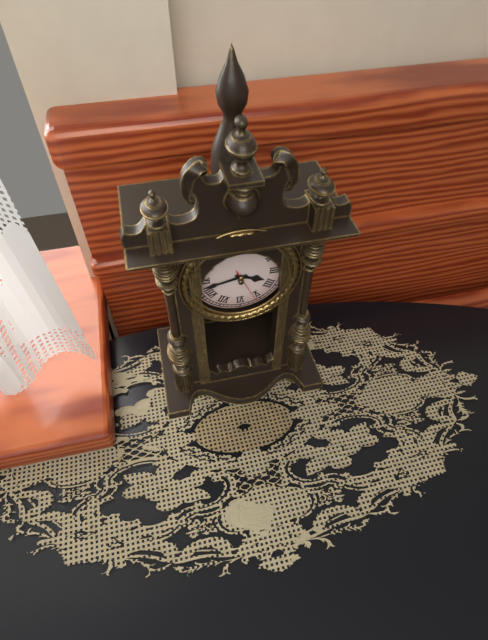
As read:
3 h 43 min
